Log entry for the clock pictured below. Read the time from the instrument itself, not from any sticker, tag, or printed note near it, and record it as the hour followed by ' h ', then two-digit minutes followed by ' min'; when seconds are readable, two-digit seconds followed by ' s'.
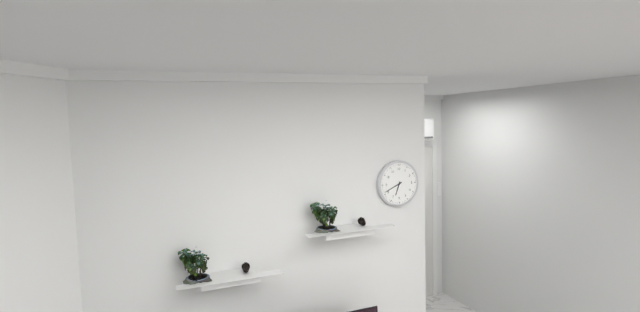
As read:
6 h 41 min
